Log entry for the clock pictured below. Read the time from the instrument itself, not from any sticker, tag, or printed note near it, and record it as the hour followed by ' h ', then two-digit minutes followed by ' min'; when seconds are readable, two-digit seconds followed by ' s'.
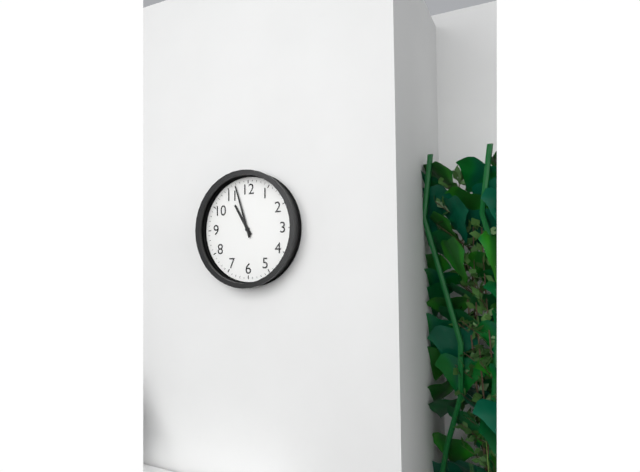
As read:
10 h 57 min
